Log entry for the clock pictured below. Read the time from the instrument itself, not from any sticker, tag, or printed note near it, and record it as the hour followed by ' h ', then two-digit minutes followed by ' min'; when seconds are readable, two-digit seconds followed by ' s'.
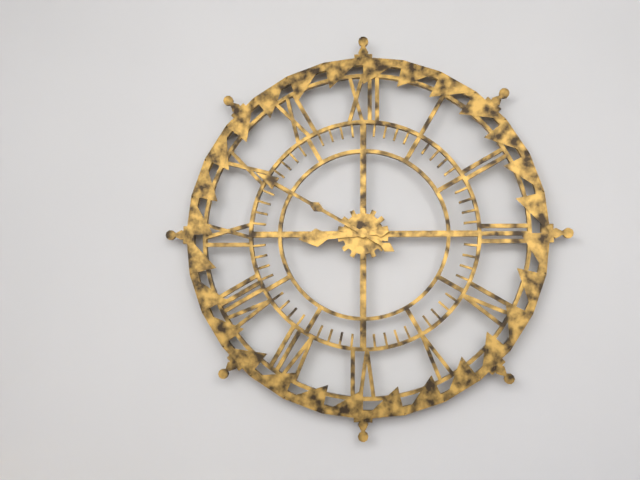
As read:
8 h 50 min
